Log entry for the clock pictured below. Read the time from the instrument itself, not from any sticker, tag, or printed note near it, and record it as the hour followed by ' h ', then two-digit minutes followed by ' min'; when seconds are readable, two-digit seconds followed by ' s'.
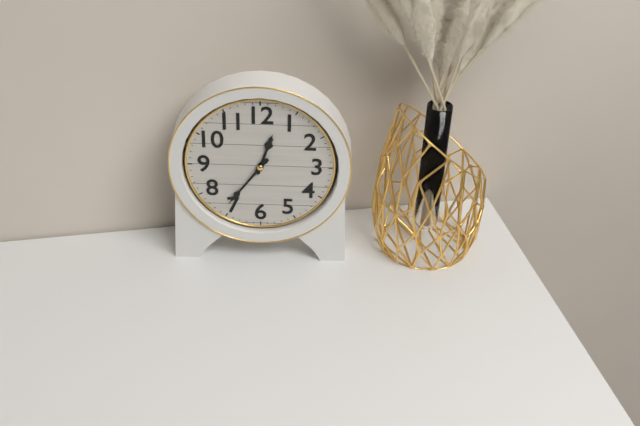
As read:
12 h 36 min
